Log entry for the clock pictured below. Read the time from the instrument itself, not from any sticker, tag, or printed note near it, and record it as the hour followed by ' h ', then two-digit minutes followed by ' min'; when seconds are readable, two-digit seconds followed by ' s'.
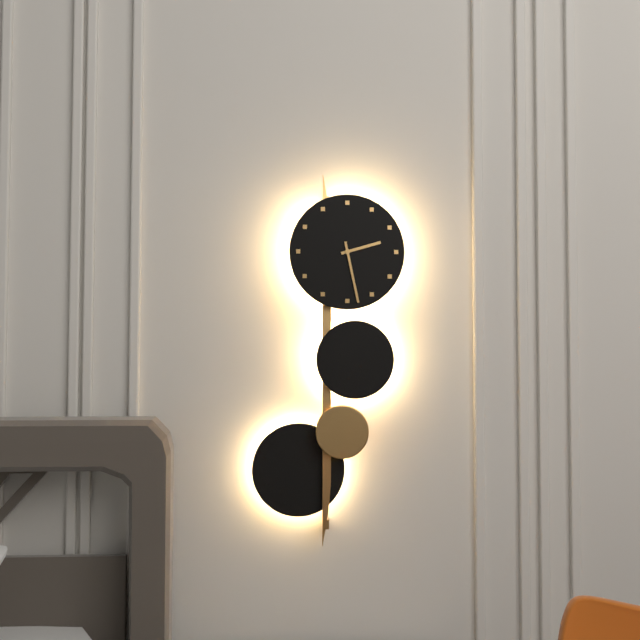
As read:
2 h 28 min
